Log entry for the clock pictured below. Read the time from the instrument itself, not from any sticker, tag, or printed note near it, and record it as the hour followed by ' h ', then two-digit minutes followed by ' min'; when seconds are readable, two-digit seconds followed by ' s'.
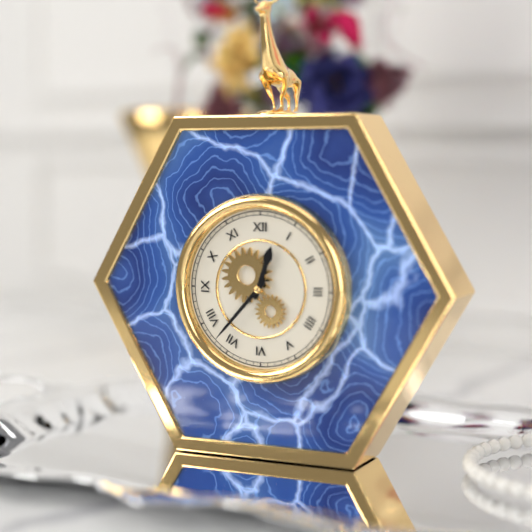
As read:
12 h 37 min
